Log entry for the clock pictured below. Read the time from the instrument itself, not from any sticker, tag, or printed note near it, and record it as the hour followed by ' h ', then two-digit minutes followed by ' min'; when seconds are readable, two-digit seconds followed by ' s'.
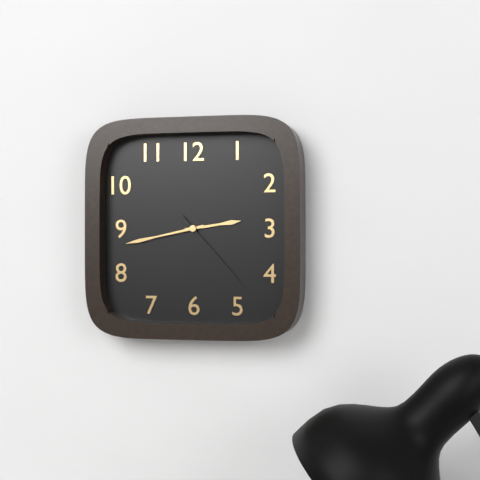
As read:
2 h 43 min 23 s
